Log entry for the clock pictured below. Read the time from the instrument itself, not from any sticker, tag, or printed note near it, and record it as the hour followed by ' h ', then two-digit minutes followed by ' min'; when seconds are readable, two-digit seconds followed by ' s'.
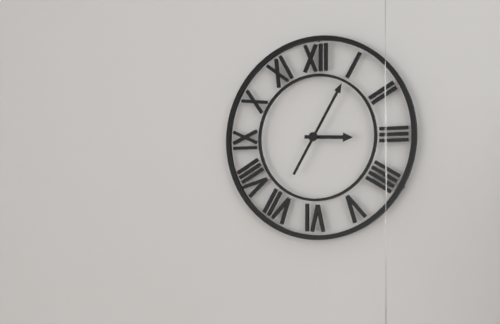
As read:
3 h 05 min
